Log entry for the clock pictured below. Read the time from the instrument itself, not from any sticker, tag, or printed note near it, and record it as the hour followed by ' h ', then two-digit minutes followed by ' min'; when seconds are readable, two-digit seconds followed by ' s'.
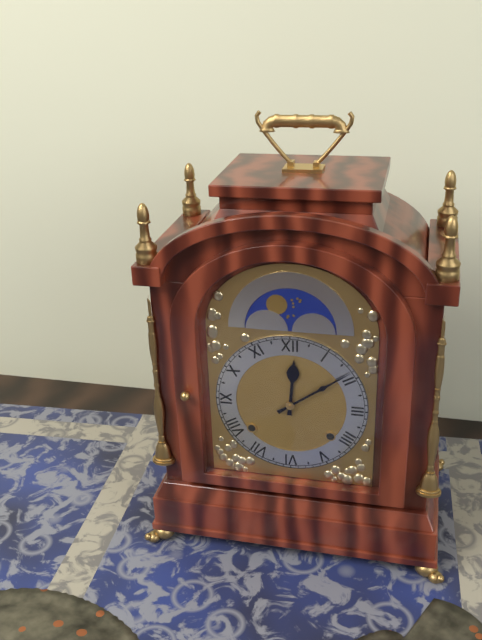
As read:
12 h 09 min
